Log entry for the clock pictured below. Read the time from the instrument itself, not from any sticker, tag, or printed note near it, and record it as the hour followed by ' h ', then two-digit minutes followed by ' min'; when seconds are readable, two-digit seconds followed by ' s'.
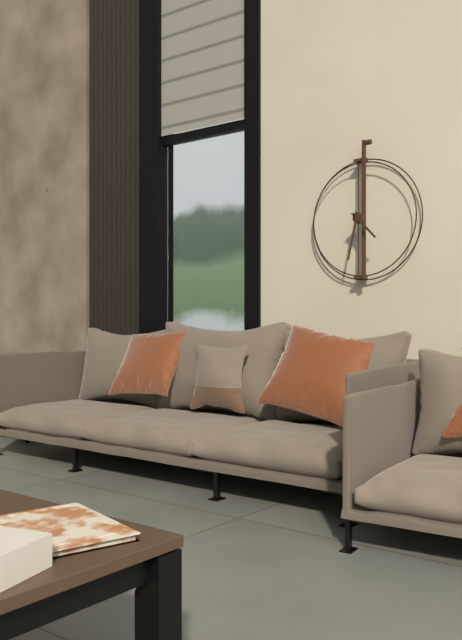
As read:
4 h 32 min
